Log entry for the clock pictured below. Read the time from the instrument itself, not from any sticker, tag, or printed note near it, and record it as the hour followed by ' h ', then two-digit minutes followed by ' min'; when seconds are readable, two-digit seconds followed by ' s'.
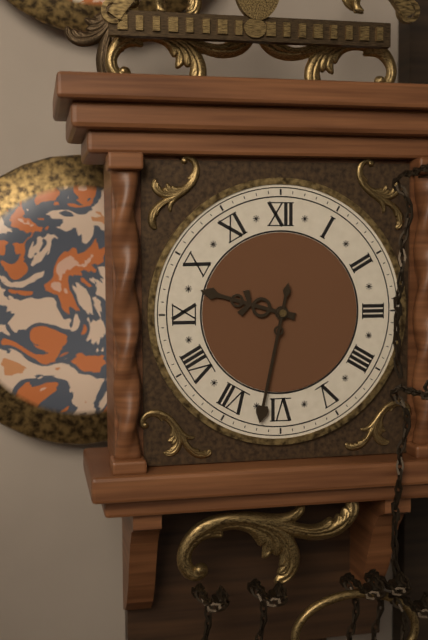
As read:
9 h 32 min
